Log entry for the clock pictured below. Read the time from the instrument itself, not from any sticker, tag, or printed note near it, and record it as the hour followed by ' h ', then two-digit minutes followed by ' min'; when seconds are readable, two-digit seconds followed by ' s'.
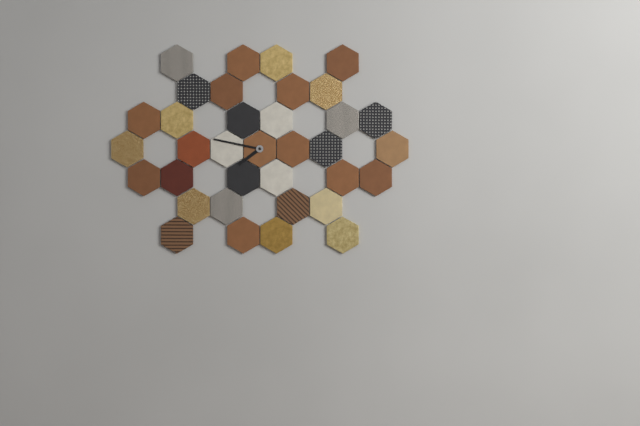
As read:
7 h 47 min
